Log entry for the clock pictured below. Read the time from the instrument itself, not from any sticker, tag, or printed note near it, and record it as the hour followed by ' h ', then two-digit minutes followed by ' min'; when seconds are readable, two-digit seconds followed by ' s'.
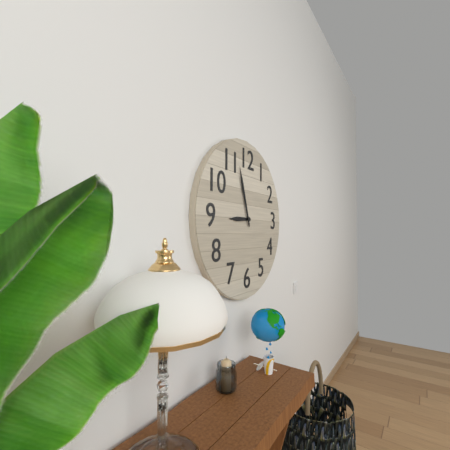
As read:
8 h 57 min
